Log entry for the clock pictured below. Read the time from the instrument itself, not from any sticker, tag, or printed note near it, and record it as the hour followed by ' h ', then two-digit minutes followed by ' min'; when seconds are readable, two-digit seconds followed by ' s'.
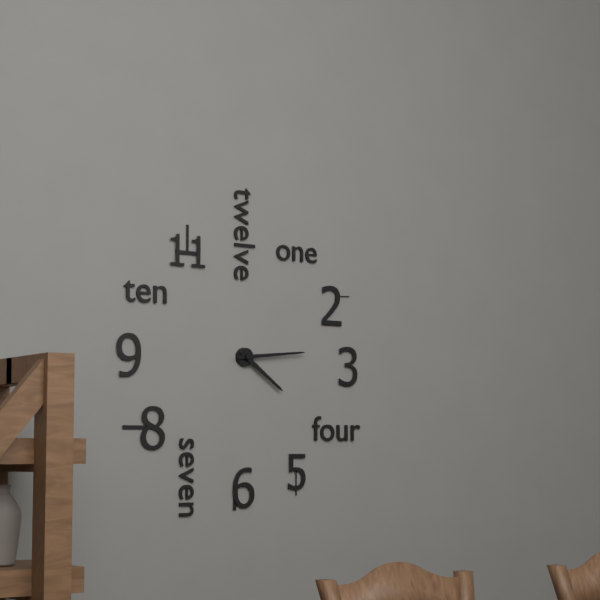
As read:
4 h 14 min
